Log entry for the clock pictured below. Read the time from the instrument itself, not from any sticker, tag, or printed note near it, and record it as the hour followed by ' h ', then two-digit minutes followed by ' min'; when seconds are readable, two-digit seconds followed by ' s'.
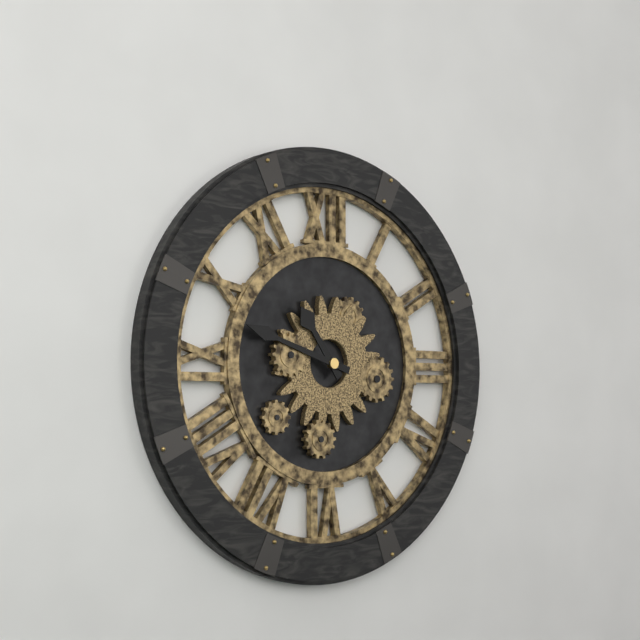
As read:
10 h 48 min
